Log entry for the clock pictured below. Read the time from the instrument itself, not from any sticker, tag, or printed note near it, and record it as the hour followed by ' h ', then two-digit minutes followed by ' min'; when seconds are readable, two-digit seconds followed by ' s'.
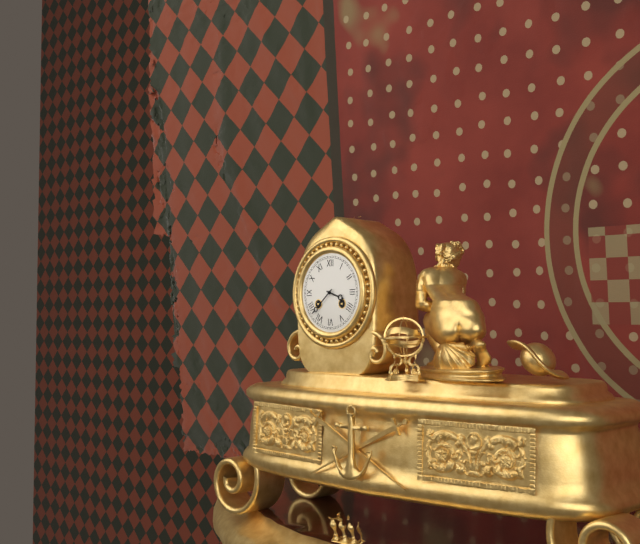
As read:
3 h 38 min
